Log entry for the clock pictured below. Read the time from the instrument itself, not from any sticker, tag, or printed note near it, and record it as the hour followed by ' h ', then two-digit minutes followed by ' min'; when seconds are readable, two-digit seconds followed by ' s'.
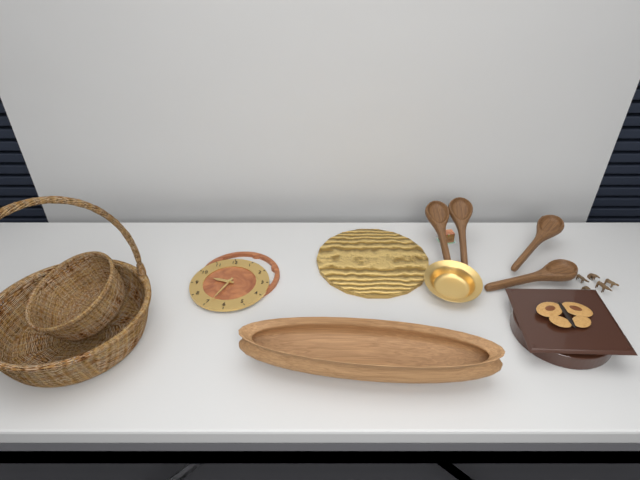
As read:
9 h 34 min
